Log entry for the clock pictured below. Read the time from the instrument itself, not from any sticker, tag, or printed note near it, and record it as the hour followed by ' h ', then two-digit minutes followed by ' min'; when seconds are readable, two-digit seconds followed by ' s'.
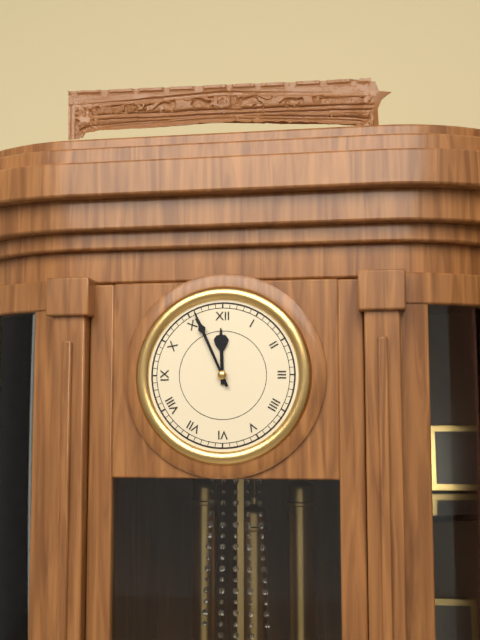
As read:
11 h 56 min
